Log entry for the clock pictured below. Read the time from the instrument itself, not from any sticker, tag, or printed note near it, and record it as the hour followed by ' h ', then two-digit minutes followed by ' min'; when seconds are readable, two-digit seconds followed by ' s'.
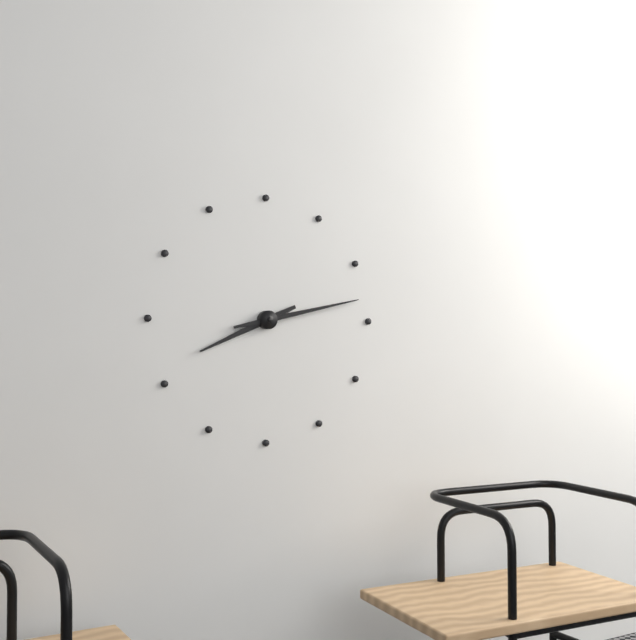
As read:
8 h 13 min
